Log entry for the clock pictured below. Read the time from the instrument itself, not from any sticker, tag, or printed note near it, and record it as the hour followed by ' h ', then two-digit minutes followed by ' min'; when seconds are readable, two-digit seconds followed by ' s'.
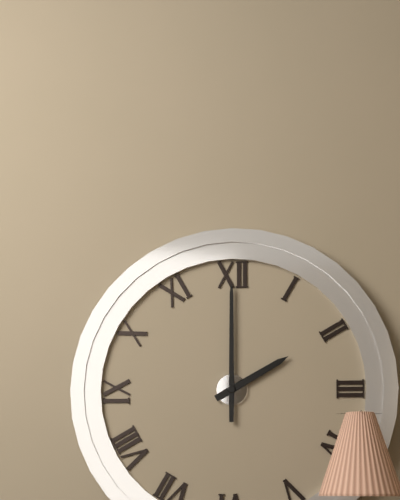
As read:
2 h 00 min
